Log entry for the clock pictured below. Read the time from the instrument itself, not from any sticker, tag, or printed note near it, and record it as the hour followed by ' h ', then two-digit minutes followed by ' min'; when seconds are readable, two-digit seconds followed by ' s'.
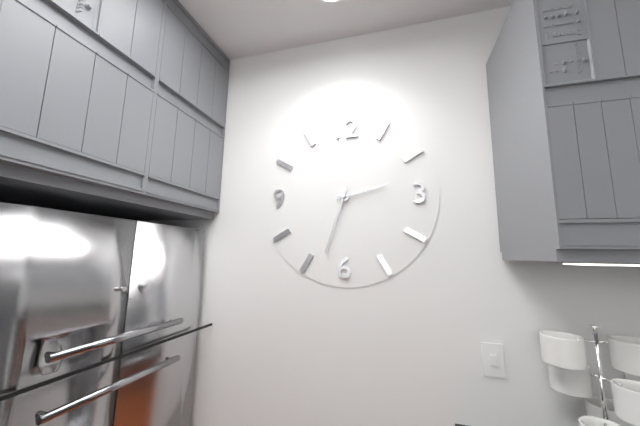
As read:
2 h 33 min
